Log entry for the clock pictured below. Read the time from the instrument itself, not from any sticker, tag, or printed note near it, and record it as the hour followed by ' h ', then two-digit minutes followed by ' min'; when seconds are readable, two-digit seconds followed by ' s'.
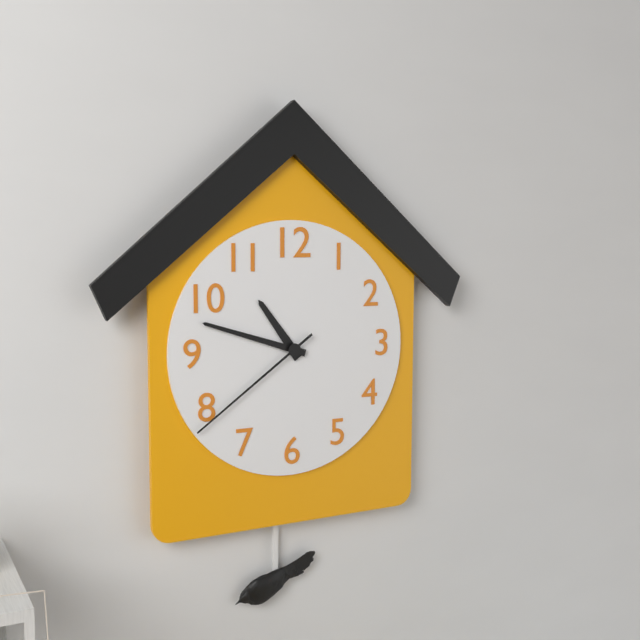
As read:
10 h 48 min 39 s
